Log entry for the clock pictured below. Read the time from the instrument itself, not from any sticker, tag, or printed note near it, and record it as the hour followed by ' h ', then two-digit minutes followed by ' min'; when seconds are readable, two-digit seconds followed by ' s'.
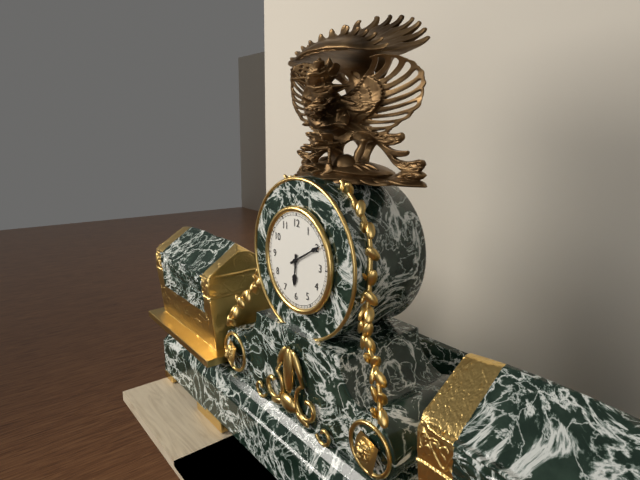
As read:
6 h 10 min
